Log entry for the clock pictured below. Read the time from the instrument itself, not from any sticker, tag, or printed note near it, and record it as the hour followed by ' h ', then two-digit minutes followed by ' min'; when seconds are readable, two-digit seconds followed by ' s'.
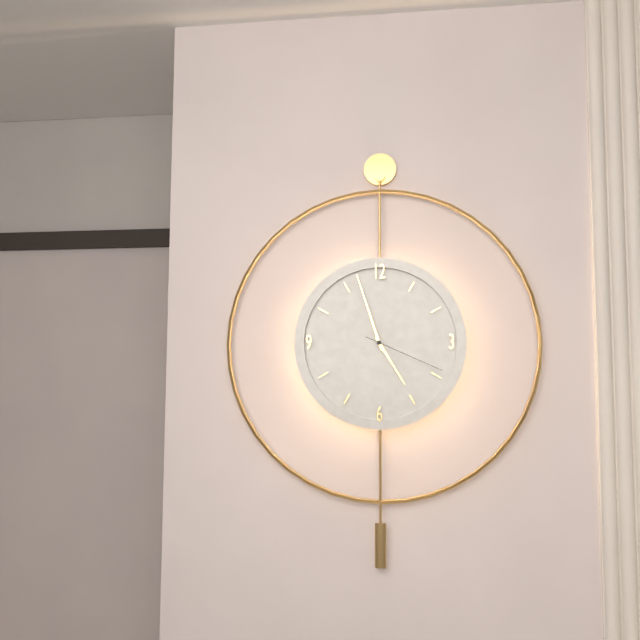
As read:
4 h 57 min 19 s
